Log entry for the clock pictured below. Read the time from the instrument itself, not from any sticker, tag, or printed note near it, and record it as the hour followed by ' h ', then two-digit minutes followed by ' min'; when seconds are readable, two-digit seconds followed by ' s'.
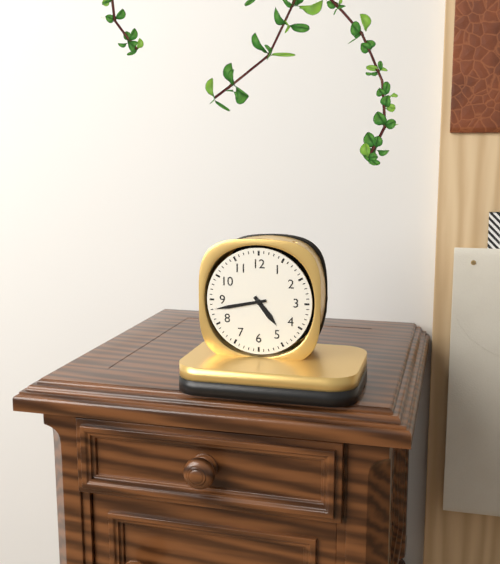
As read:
4 h 43 min
